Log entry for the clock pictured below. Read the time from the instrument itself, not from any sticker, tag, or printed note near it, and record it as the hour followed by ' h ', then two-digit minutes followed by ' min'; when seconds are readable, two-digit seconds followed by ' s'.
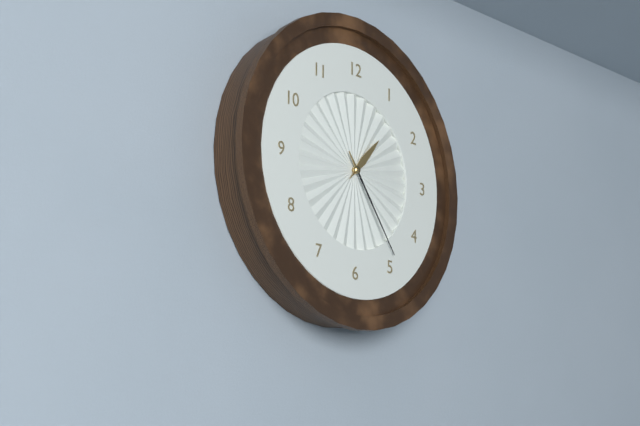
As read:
1 h 24 min
